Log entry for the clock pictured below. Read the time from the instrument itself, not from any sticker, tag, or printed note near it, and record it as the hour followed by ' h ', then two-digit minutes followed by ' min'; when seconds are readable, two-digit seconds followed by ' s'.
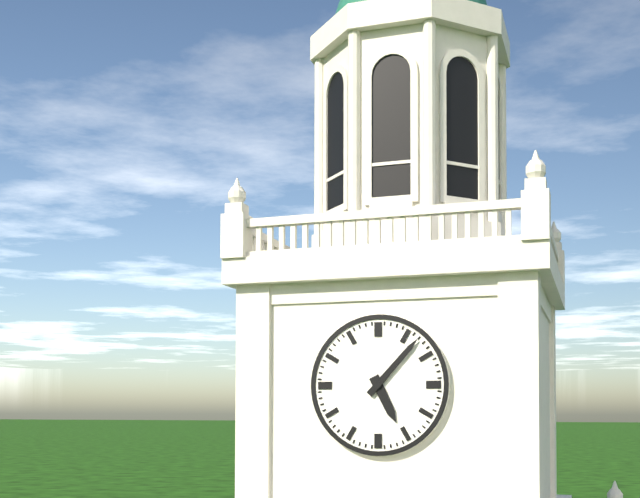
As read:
5 h 07 min
